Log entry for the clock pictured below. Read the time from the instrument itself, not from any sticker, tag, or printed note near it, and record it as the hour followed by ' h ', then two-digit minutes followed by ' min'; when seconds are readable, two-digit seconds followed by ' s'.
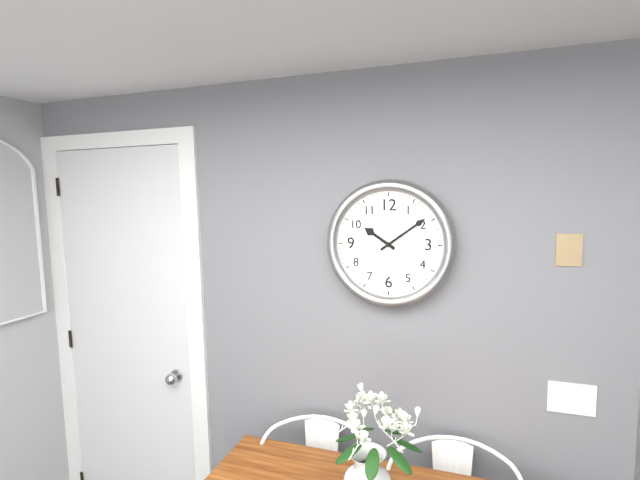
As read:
10 h 09 min
